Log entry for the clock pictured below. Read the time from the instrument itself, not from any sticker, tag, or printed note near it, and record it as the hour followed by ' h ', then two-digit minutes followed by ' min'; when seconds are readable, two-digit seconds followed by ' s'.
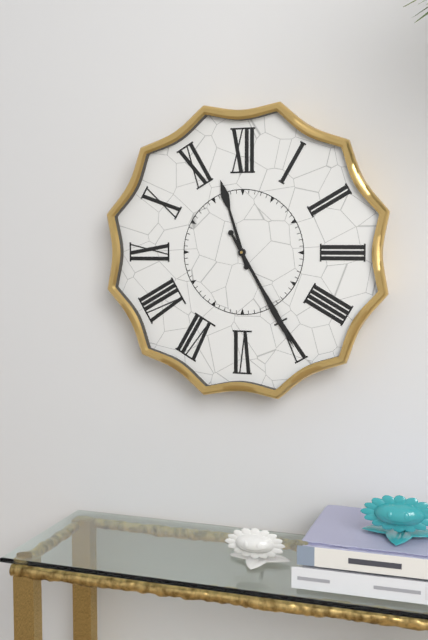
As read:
11 h 25 min
